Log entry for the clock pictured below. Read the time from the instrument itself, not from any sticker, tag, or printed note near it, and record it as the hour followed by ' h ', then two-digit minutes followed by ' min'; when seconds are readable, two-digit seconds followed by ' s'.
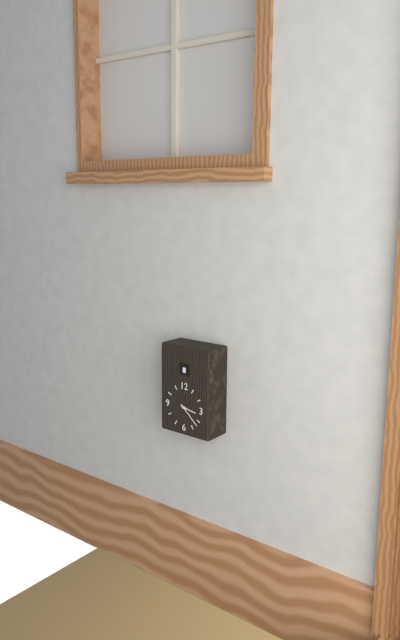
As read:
3 h 22 min
